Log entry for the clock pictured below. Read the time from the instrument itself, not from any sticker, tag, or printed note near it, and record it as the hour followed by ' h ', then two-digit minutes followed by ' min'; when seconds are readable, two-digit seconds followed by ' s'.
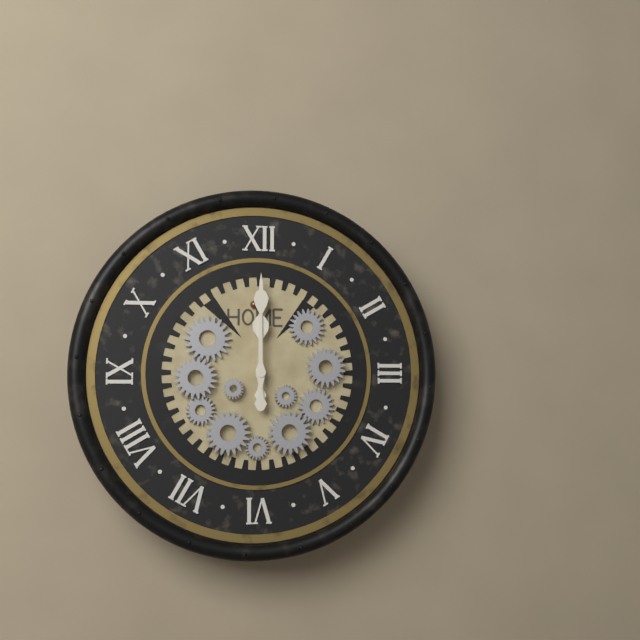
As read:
12 h 00 min
